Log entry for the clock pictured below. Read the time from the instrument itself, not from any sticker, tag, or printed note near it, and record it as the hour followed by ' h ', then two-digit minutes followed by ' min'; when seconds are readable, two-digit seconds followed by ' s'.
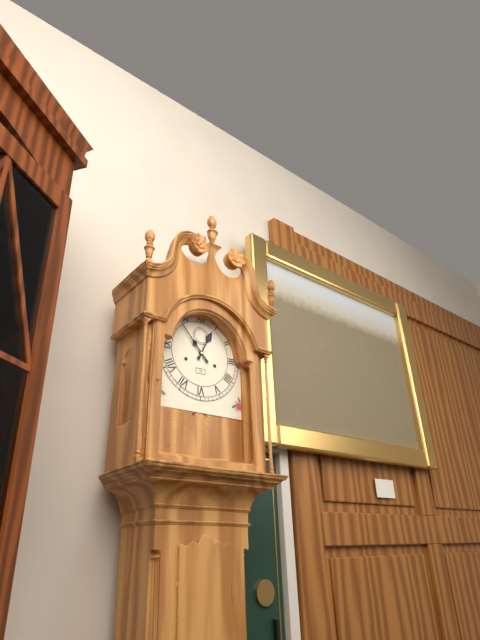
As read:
12 h 53 min
